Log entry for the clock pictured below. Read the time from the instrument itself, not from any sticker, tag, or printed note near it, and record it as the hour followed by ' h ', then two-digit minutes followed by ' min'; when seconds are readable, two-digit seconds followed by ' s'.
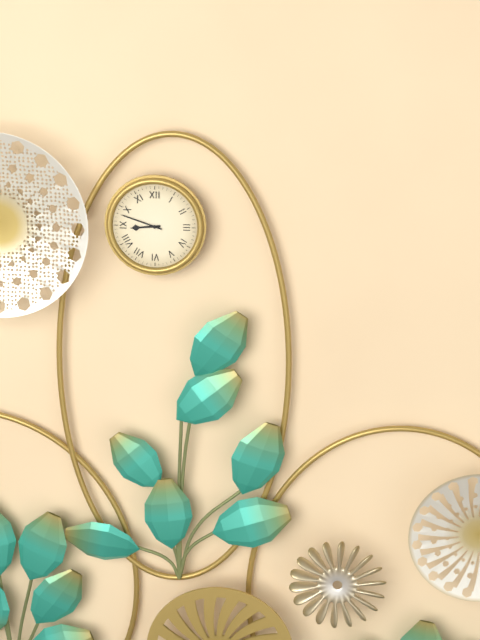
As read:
8 h 48 min
